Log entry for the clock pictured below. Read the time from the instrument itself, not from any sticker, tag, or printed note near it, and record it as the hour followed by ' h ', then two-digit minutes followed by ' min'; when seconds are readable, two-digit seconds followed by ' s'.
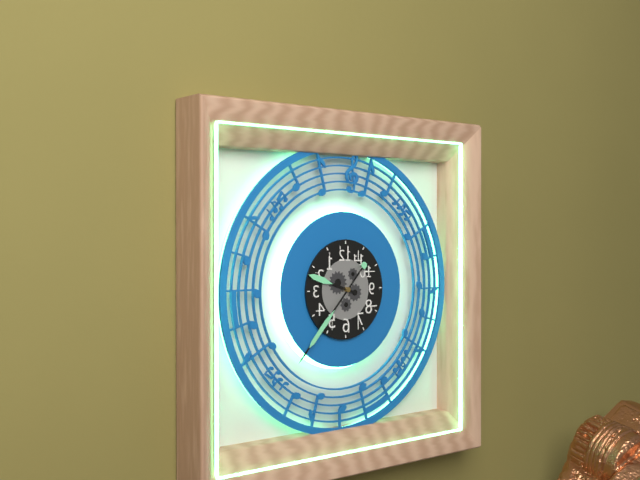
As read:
9 h 37 min
